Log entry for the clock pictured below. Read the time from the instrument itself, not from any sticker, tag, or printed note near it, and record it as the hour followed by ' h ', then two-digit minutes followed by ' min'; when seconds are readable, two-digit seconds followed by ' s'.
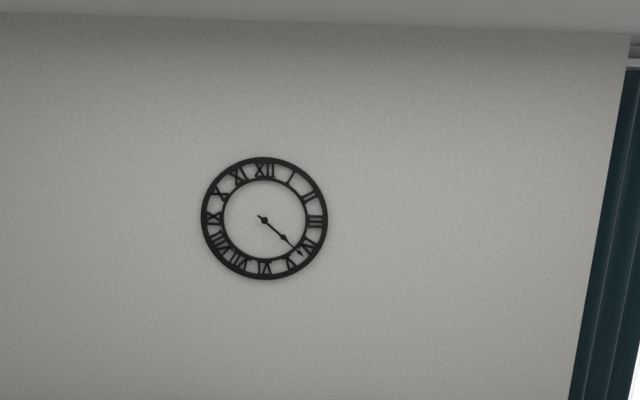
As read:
4 h 22 min
